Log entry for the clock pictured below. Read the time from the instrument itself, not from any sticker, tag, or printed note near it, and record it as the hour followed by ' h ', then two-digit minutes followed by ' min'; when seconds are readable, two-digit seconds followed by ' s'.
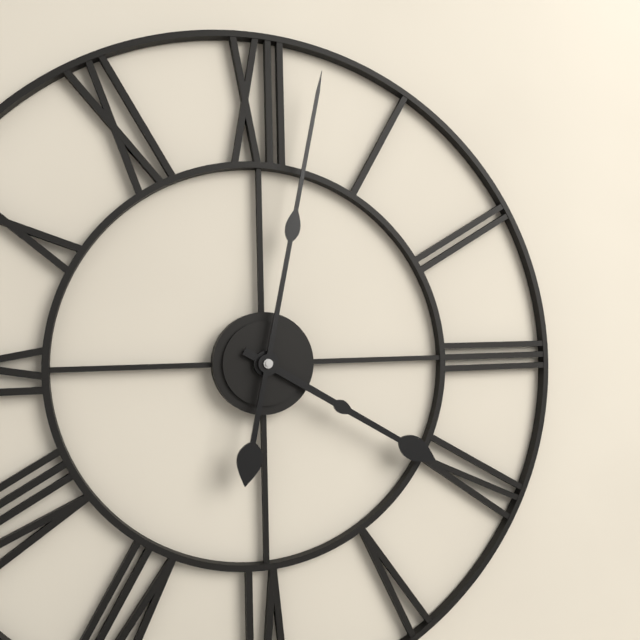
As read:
4 h 02 min
